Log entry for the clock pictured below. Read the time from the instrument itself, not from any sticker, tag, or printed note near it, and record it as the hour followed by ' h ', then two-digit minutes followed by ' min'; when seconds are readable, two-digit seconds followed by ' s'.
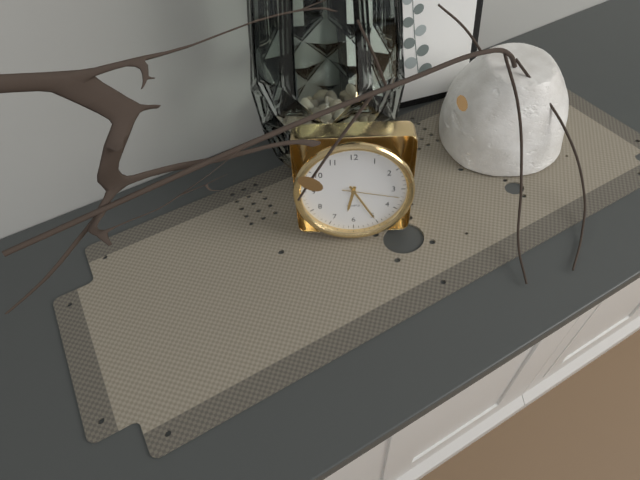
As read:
6 h 25 min 17 s
